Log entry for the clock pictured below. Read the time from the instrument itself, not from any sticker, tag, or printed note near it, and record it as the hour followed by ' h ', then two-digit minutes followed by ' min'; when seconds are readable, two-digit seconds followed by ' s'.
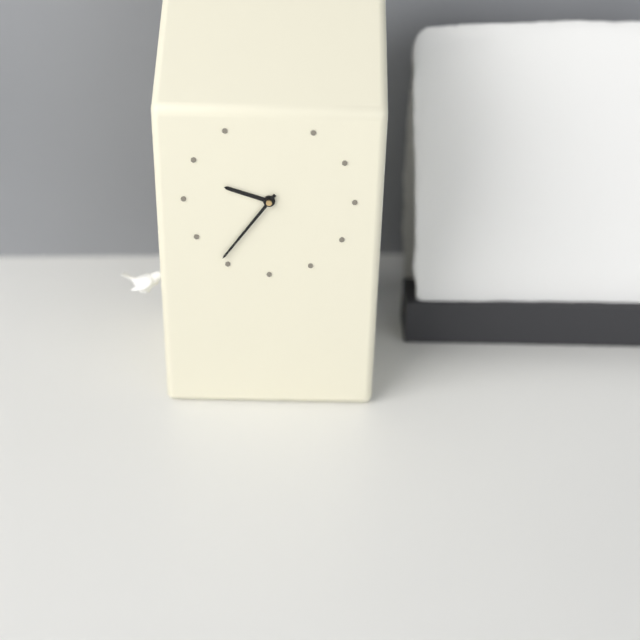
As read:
9 h 36 min
